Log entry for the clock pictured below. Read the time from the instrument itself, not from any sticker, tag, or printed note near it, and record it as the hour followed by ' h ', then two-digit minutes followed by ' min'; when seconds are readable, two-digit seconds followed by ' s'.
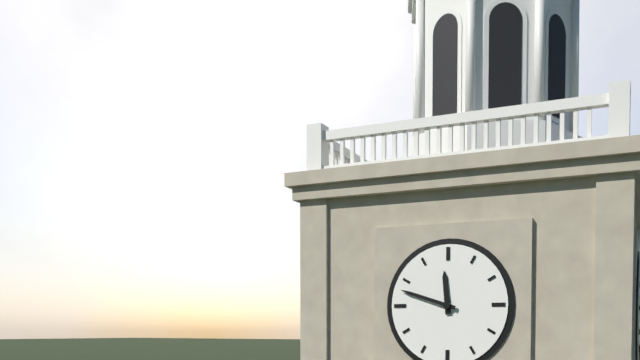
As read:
11 h 48 min
